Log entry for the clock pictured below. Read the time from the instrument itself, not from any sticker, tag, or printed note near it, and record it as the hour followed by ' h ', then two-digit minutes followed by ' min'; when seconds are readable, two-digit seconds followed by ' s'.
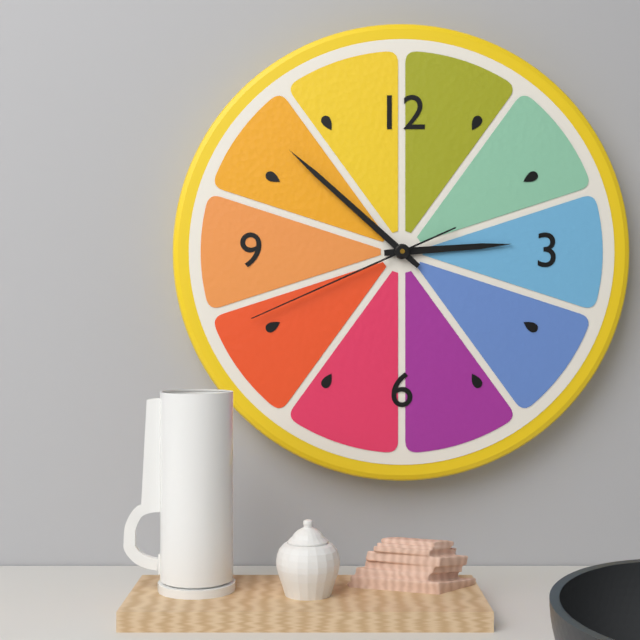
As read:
2 h 52 min 41 s
